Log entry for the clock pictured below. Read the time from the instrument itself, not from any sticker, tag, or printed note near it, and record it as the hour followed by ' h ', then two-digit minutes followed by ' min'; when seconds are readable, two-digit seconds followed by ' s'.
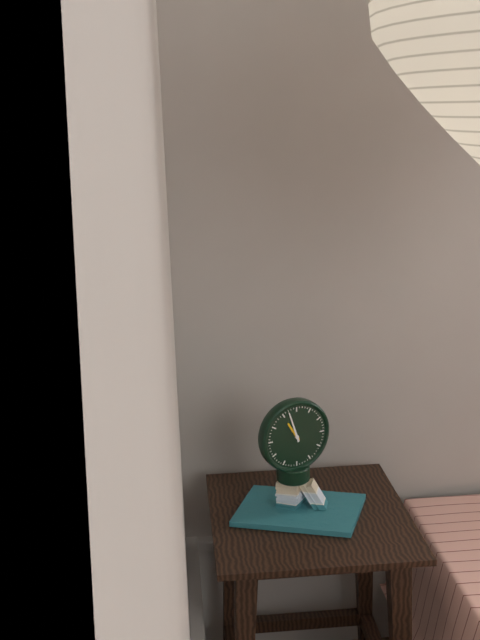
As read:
10 h 57 min
